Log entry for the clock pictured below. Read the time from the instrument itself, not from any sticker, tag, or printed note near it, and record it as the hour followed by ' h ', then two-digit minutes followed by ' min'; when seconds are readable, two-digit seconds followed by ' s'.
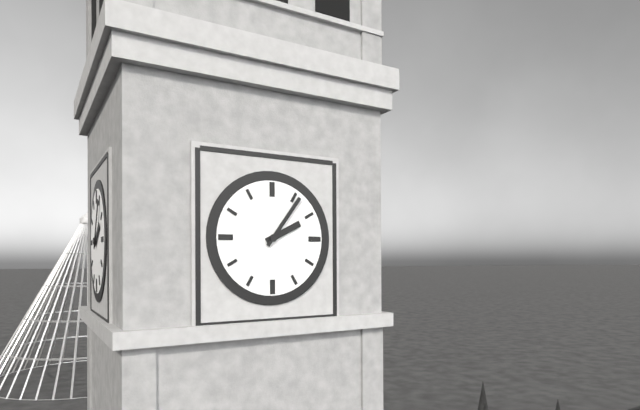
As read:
2 h 06 min
